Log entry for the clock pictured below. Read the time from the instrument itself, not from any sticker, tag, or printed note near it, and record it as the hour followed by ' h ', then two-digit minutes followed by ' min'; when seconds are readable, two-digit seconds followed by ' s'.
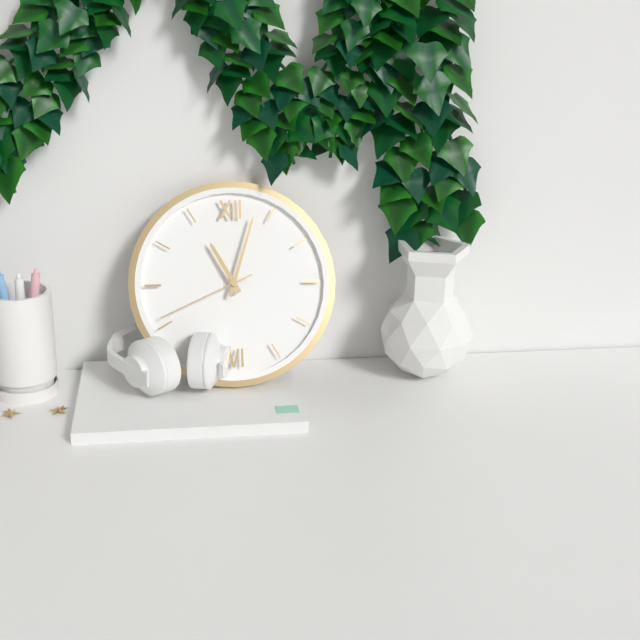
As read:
11 h 03 min 41 s
